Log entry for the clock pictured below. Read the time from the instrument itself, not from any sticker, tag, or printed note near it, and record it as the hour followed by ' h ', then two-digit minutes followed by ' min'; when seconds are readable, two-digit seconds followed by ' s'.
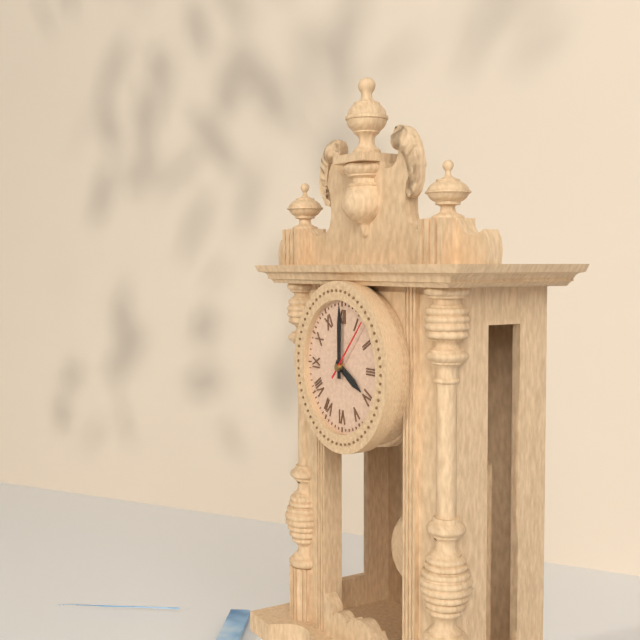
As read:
4 h 00 min 07 s
